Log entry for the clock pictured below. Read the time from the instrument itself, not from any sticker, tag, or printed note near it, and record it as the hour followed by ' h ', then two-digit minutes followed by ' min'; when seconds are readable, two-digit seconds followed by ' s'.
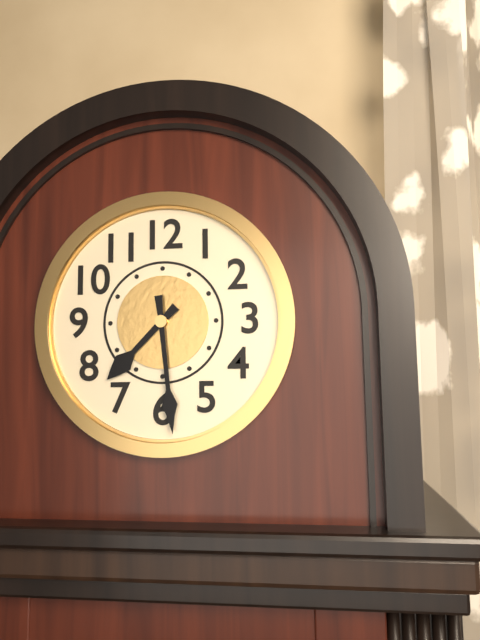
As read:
7 h 29 min
